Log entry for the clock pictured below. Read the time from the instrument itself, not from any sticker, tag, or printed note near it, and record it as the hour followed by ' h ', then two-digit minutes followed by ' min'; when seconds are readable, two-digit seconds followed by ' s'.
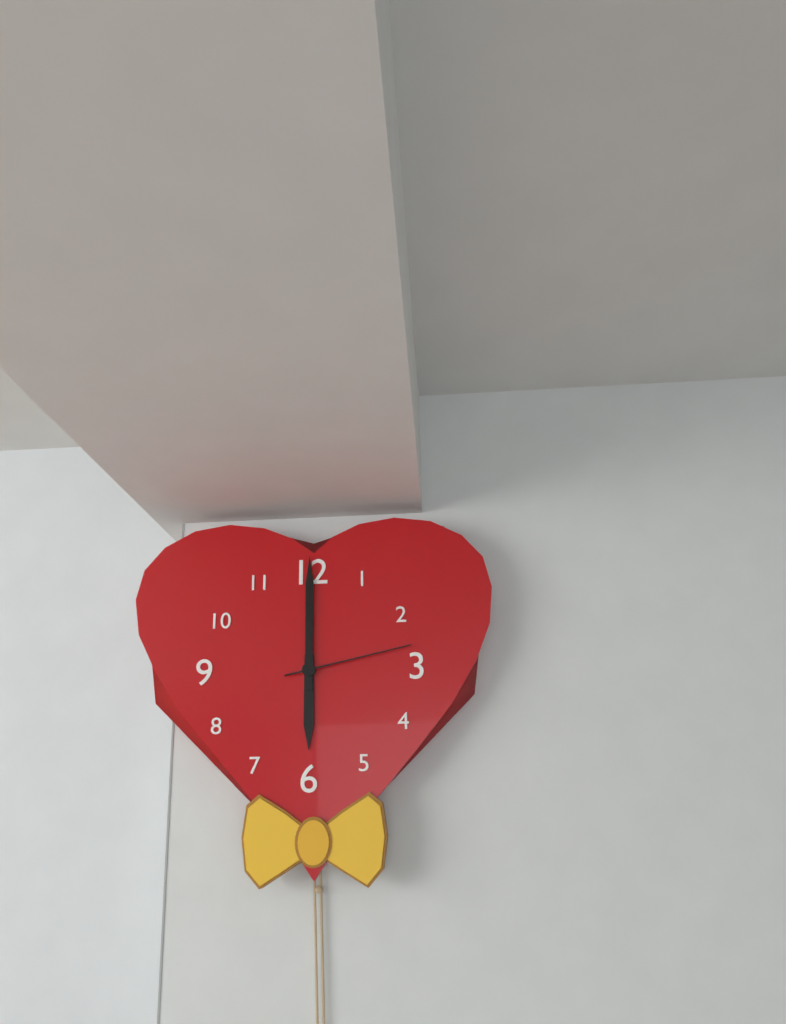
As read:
6 h 00 min 13 s
